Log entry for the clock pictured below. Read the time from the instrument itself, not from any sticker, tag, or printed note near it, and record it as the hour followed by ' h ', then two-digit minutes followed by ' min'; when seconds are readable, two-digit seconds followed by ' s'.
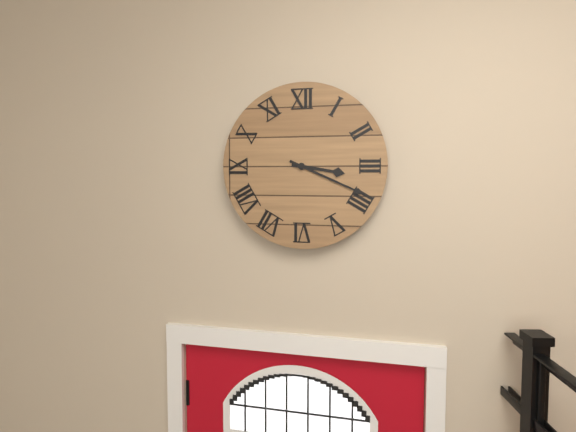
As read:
3 h 19 min
